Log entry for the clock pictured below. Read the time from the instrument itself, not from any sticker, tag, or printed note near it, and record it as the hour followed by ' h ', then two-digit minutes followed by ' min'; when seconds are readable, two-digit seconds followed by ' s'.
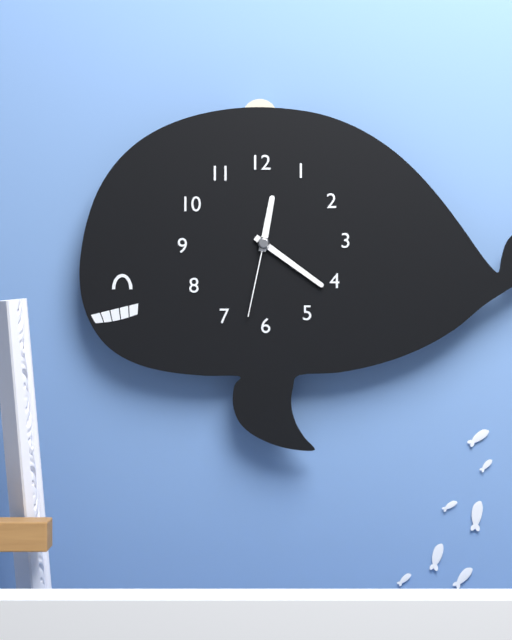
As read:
12 h 21 min 32 s
